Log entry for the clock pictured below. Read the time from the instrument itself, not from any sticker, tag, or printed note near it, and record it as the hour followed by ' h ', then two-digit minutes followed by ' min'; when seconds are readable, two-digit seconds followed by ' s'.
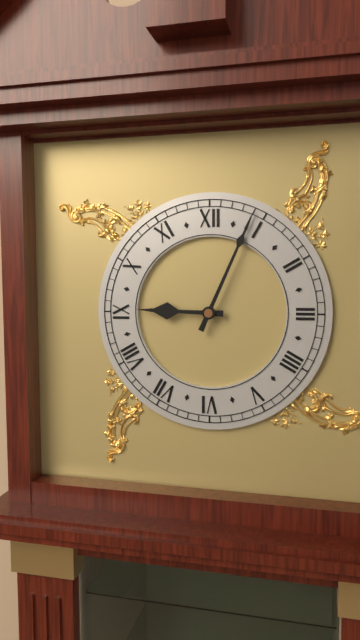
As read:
9 h 04 min
